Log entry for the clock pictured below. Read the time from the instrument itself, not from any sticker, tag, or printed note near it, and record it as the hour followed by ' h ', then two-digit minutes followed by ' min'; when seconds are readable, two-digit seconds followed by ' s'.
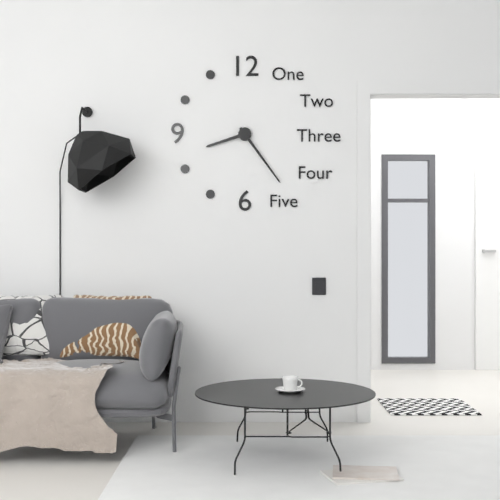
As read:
8 h 24 min
